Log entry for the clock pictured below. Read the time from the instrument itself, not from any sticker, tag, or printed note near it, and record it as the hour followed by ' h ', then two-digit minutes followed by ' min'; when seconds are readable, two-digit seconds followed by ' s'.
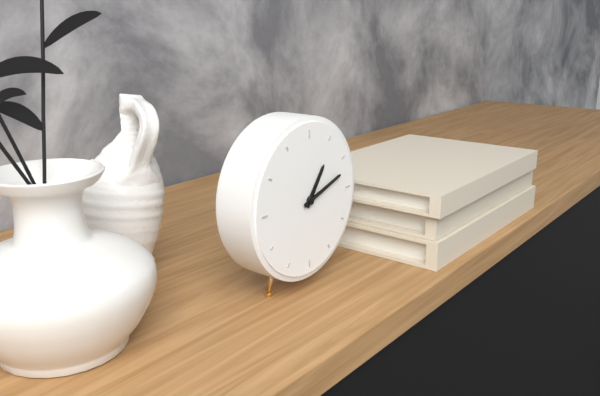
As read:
1 h 12 min
